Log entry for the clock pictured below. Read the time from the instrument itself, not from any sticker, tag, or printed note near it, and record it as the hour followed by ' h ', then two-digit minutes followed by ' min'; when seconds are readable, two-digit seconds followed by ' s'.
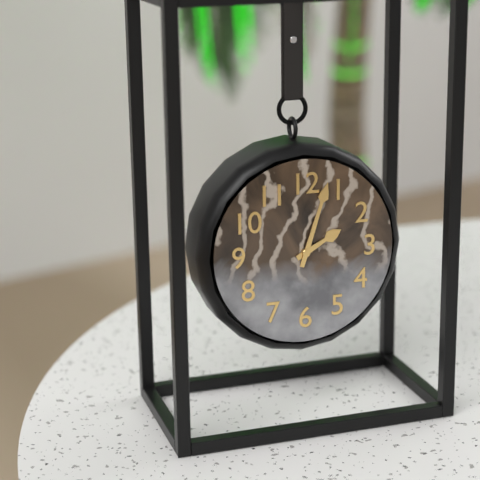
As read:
2 h 03 min
